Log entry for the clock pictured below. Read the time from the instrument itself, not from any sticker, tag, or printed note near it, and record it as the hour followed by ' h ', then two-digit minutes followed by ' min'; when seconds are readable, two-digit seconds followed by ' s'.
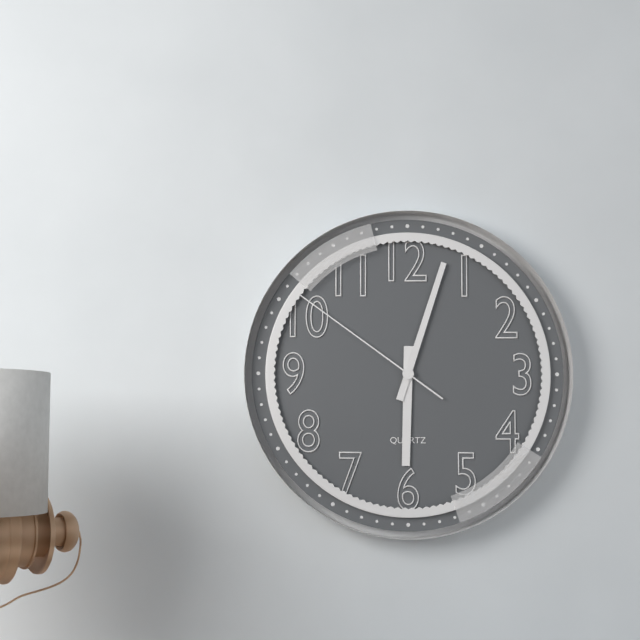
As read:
6 h 03 min 51 s
